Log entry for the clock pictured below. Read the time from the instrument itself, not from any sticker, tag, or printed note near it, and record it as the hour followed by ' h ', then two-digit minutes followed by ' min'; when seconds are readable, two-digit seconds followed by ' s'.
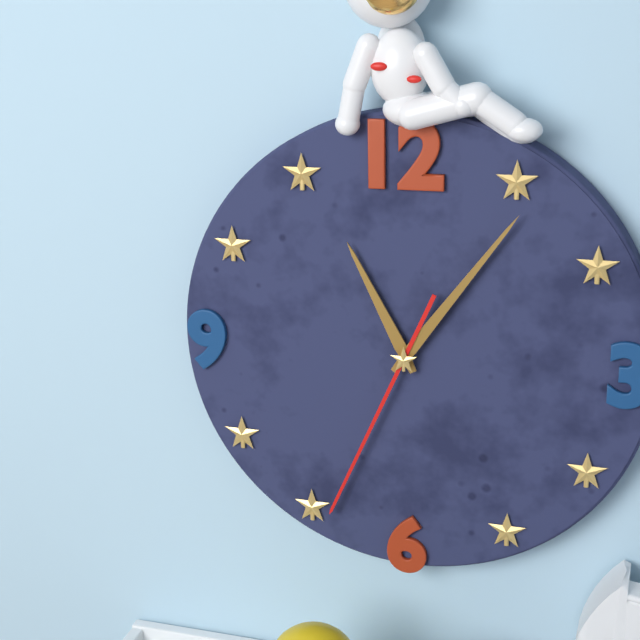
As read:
11 h 06 min 34 s
